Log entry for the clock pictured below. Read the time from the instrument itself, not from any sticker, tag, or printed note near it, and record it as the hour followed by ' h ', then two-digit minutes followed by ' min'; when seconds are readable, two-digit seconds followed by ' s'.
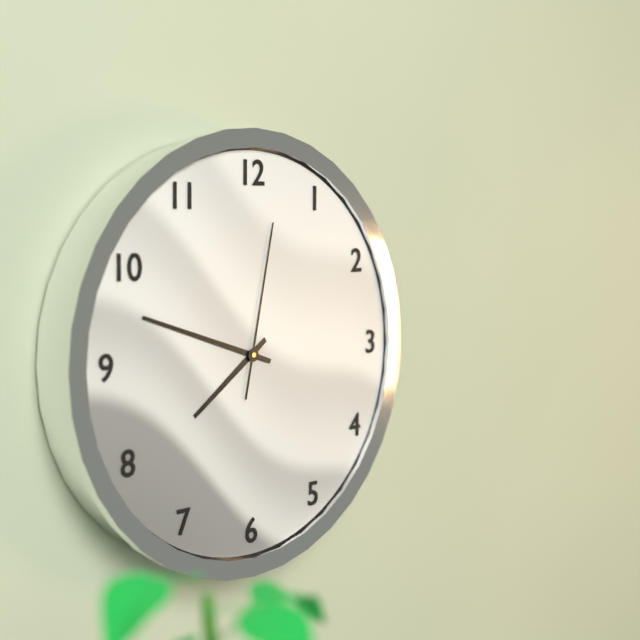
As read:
7 h 48 min 02 s
